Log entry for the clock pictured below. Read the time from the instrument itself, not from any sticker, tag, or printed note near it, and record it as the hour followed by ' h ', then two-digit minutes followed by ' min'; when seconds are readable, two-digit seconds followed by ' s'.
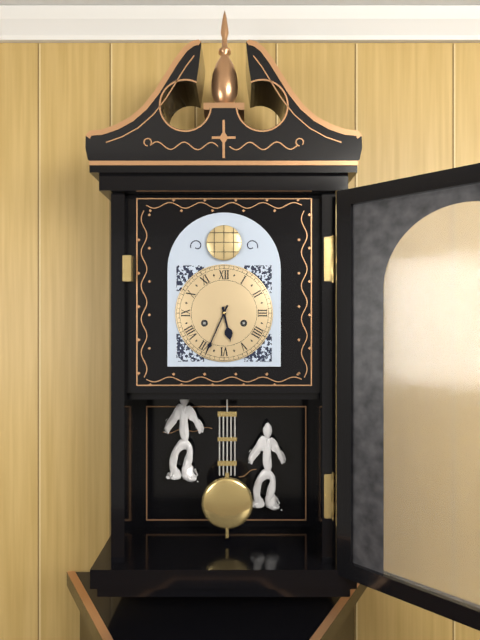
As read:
5 h 34 min
